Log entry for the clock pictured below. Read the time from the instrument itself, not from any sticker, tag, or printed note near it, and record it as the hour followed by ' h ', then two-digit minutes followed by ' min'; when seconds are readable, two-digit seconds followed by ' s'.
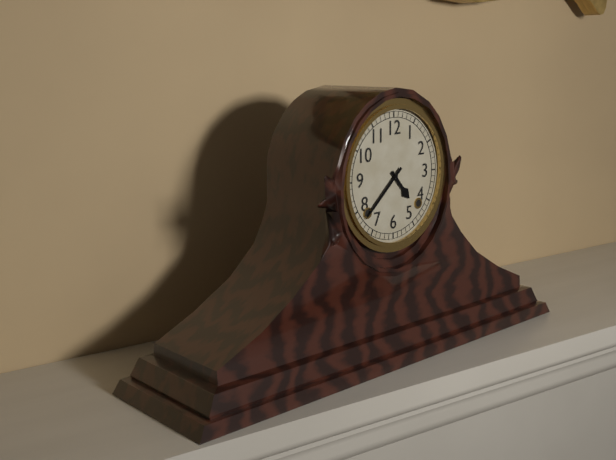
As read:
4 h 38 min
